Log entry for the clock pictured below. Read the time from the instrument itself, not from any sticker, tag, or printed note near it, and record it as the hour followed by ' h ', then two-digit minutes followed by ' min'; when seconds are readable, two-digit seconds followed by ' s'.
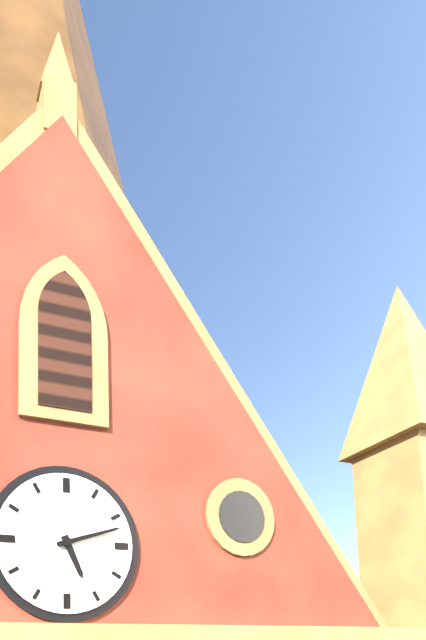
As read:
5 h 12 min
